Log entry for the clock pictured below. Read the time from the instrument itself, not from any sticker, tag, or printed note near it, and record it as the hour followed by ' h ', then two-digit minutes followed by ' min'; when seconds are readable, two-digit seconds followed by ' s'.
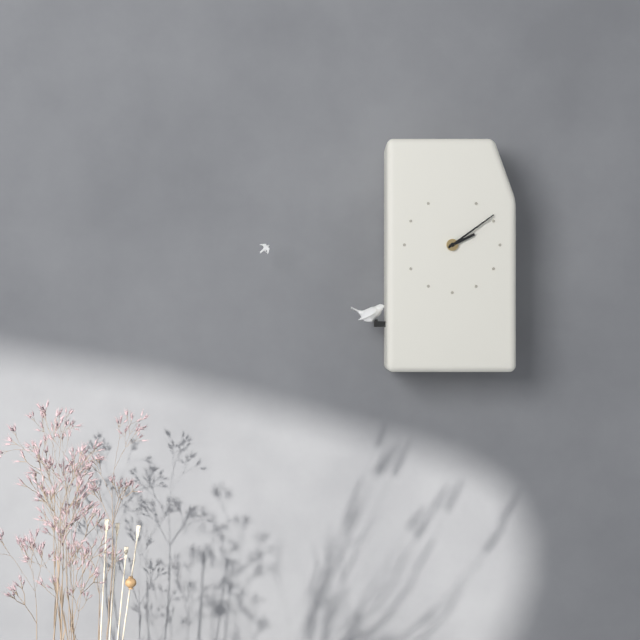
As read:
2 h 09 min
